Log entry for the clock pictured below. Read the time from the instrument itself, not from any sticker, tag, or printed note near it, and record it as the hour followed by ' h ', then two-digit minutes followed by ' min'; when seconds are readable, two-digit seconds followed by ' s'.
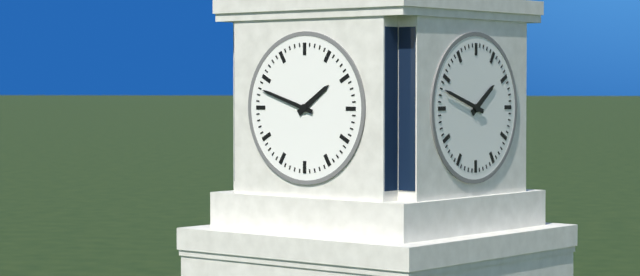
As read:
1 h 48 min
